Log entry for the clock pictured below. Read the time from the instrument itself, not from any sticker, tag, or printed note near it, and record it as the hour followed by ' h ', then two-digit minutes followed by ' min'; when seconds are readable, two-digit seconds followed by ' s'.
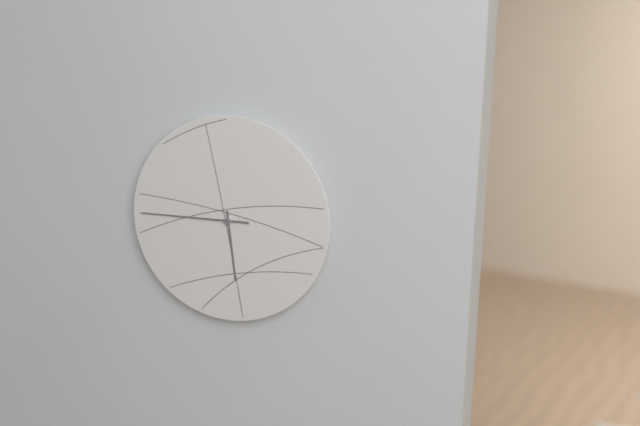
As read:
5 h 45 min
